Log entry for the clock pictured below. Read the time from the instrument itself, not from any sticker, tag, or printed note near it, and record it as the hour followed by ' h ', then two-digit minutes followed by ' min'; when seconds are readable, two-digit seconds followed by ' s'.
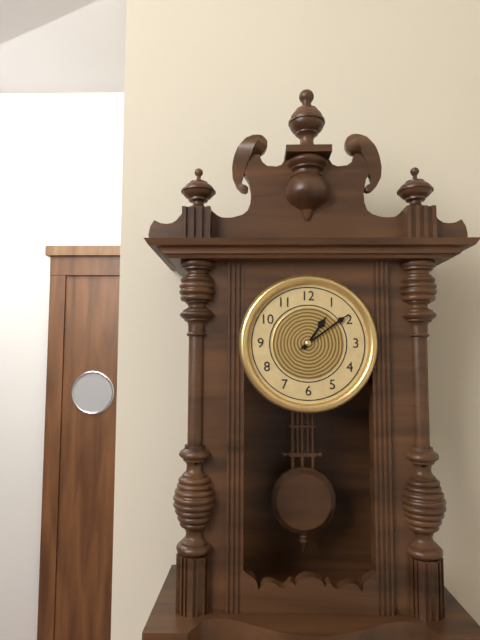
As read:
1 h 09 min
